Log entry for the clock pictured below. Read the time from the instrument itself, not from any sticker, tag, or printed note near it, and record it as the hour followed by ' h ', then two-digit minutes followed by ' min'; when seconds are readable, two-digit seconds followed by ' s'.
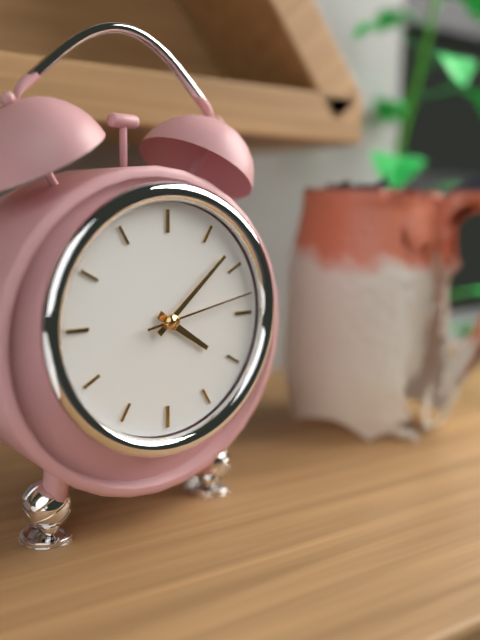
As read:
4 h 08 min 13 s
